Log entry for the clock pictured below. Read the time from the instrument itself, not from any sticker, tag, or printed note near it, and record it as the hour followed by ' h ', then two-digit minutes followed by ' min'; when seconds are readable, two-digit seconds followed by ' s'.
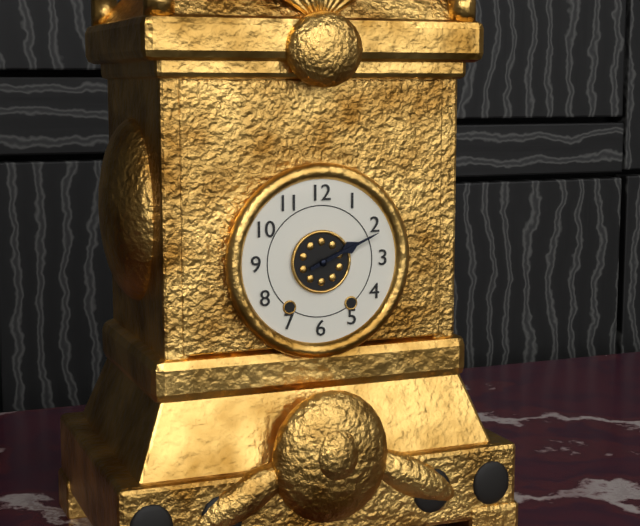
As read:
2 h 11 min
